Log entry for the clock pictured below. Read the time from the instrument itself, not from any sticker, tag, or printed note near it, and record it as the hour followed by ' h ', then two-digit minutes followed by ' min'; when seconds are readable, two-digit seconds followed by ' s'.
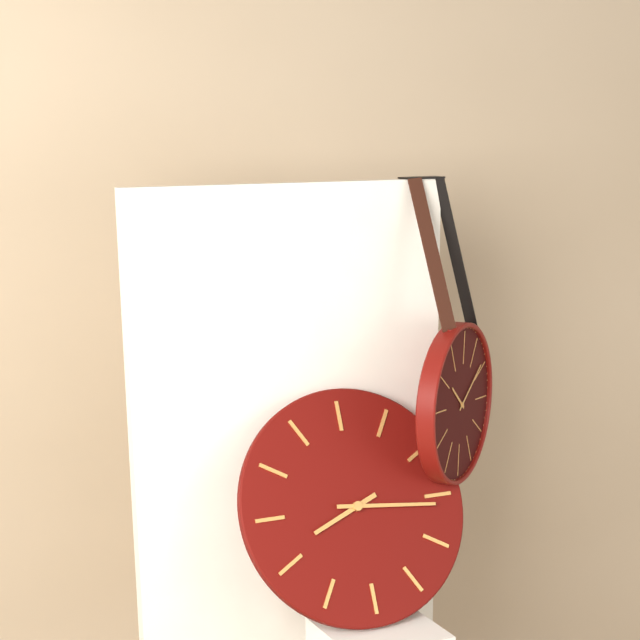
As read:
8 h 16 min
